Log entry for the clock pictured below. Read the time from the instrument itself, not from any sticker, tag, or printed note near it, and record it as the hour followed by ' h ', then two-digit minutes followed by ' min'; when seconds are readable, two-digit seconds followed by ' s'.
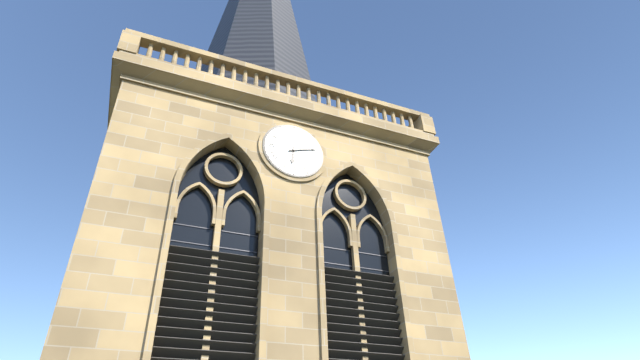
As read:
6 h 12 min
